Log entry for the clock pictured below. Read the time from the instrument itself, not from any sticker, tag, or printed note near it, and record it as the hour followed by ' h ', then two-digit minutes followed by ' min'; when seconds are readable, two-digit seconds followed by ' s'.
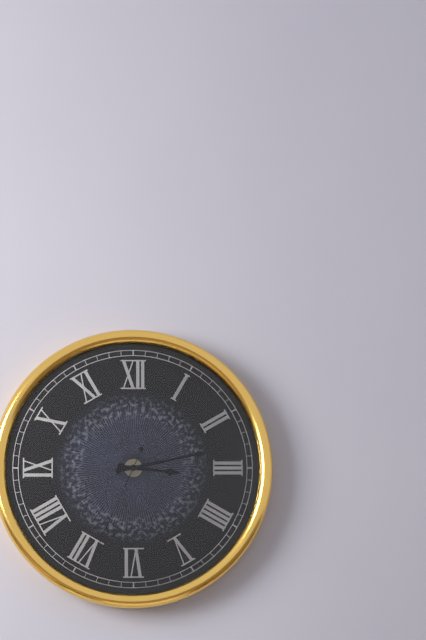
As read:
3 h 13 min 34 s
